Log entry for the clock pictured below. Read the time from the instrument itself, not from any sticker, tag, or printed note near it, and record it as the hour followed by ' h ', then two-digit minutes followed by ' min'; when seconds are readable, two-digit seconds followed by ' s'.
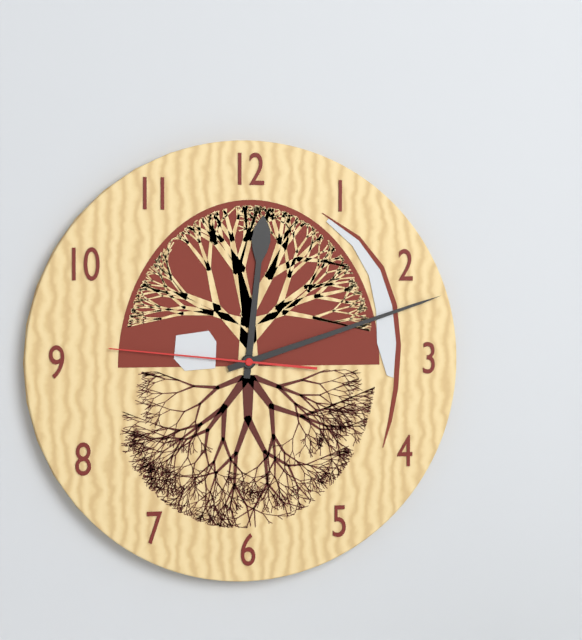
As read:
12 h 12 min 46 s
